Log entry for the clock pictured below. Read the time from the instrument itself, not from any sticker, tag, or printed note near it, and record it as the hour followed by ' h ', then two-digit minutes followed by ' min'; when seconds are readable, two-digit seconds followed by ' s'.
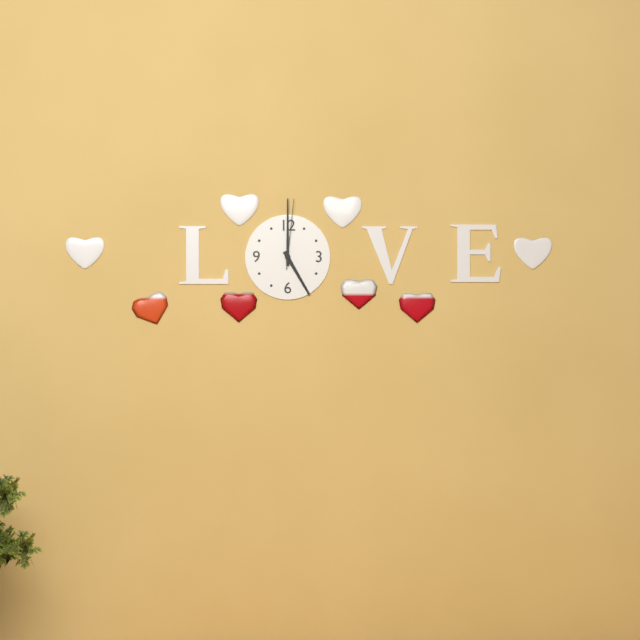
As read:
5 h 00 min 01 s
